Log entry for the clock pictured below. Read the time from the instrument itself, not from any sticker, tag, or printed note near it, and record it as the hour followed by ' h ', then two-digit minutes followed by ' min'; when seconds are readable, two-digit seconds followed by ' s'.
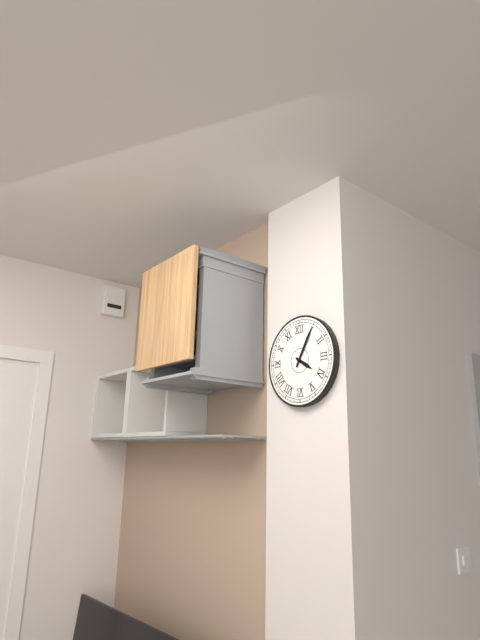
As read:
4 h 05 min
